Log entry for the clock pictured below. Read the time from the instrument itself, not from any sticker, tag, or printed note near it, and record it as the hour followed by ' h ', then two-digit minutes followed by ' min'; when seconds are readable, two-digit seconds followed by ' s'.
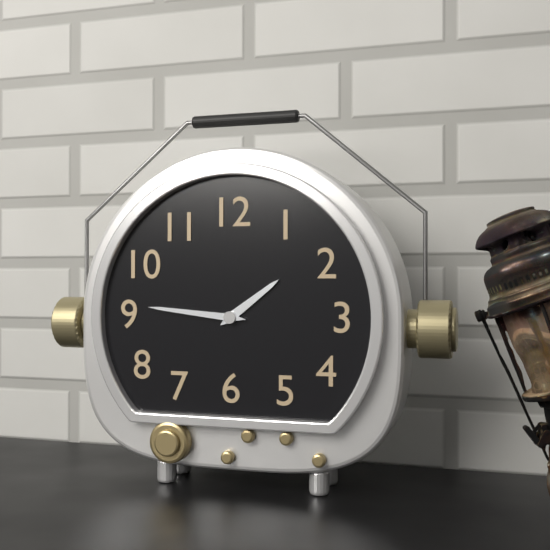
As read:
1 h 46 min
